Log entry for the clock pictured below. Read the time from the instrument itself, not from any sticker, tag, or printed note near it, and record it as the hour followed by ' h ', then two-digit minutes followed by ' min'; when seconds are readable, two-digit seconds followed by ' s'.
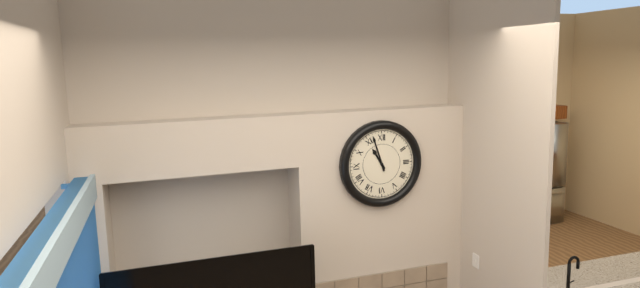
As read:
10 h 57 min
